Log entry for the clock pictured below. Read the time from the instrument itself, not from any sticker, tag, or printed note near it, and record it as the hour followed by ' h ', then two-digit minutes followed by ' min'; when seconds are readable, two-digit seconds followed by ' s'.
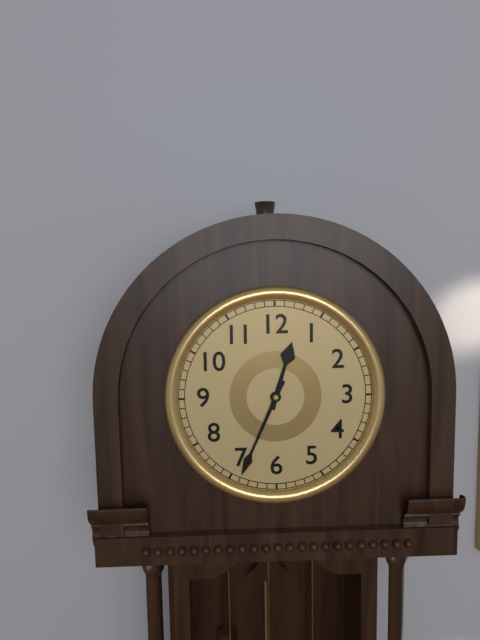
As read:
12 h 34 min
